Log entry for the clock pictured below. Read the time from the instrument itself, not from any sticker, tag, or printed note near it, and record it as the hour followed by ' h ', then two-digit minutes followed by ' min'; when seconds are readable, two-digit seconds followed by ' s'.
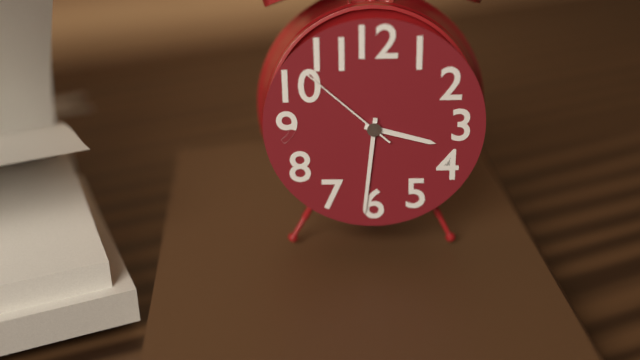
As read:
3 h 31 min 52 s
